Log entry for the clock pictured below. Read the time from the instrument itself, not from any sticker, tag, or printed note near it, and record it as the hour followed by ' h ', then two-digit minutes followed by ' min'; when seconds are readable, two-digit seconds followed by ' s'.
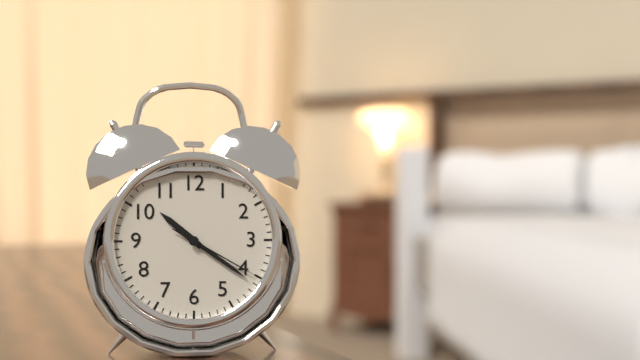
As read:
10 h 21 min 20 s
